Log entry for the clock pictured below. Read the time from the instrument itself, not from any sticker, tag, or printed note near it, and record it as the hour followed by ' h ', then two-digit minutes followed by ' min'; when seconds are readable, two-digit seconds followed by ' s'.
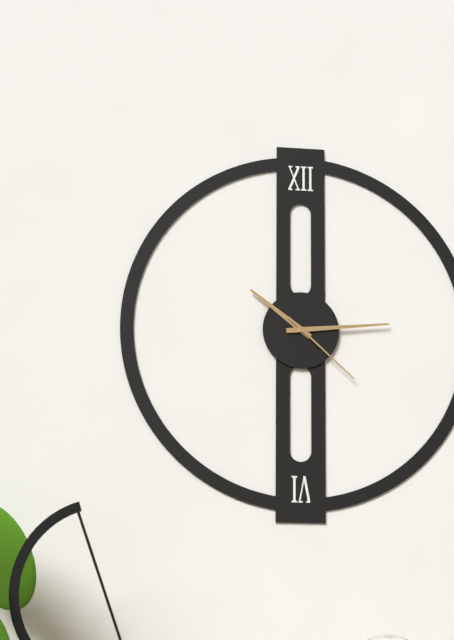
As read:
10 h 14 min 22 s
